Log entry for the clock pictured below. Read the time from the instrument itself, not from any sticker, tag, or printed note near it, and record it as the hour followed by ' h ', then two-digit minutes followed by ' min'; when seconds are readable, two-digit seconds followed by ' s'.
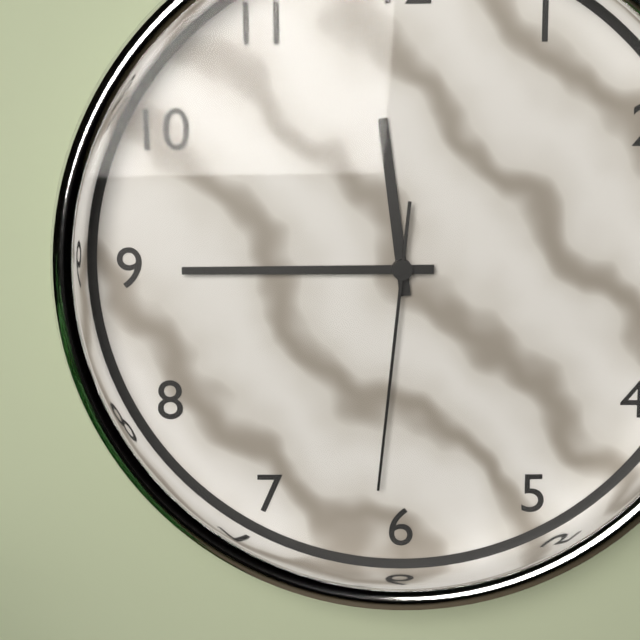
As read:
11 h 45 min 31 s
